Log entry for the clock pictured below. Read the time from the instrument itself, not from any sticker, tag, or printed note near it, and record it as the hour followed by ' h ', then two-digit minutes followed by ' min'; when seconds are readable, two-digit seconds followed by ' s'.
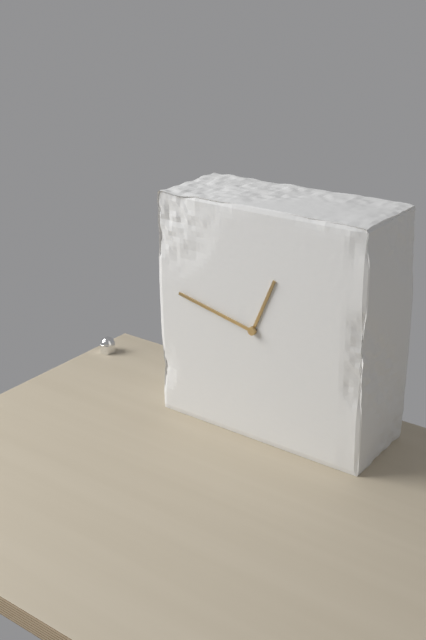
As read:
12 h 47 min
